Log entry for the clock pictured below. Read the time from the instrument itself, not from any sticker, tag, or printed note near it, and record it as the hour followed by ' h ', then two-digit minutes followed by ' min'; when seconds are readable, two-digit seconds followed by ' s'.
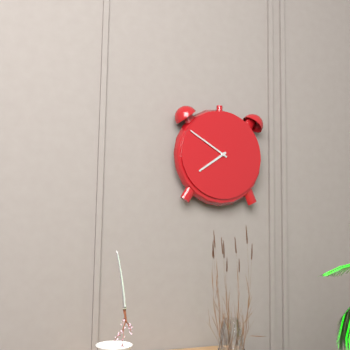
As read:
7 h 50 min
